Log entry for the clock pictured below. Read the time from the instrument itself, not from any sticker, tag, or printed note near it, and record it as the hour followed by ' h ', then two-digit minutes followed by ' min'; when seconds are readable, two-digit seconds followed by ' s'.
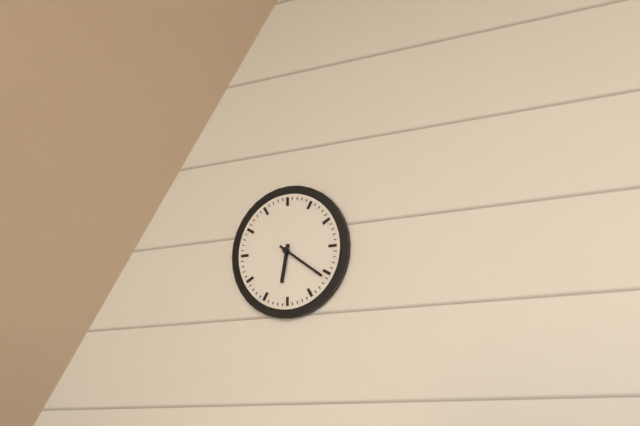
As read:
6 h 21 min
